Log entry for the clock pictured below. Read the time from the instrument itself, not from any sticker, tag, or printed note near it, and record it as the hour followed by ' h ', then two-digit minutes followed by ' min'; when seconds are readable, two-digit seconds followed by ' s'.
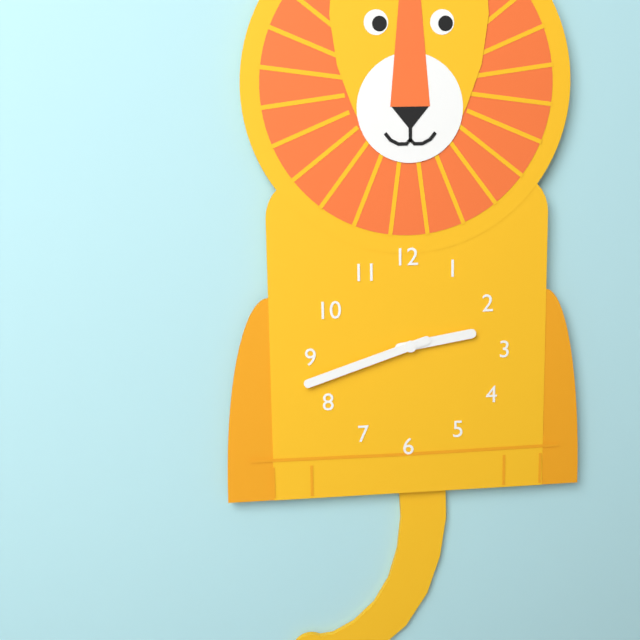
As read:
2 h 42 min
